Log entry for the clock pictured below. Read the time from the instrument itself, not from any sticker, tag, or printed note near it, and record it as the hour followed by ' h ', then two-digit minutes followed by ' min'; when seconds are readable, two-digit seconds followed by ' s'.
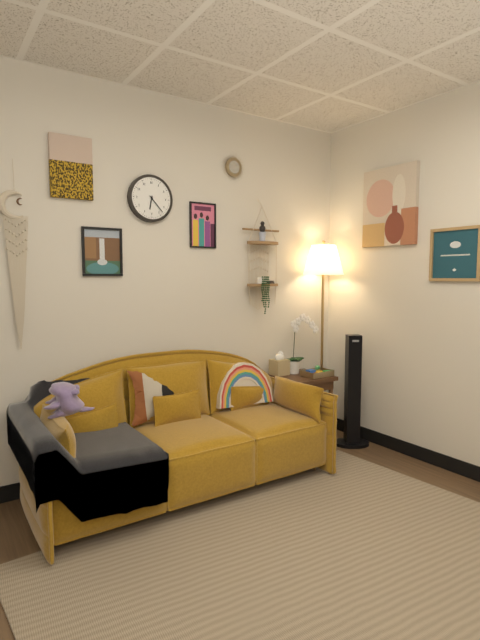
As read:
6 h 23 min
